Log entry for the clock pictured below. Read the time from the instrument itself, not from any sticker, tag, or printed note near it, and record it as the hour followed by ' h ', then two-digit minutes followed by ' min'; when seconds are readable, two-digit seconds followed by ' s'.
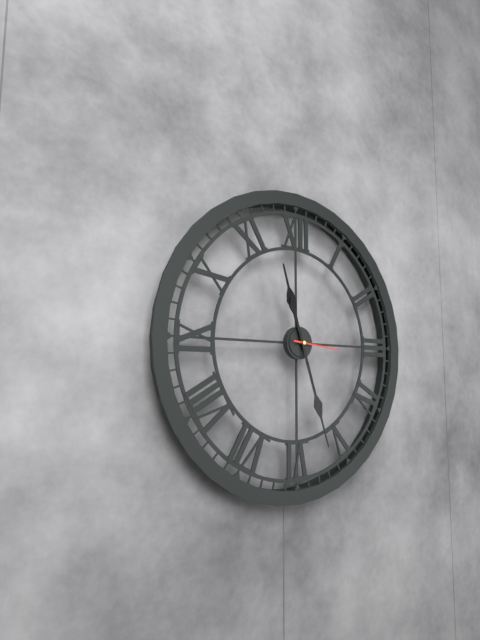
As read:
11 h 27 min 16 s
